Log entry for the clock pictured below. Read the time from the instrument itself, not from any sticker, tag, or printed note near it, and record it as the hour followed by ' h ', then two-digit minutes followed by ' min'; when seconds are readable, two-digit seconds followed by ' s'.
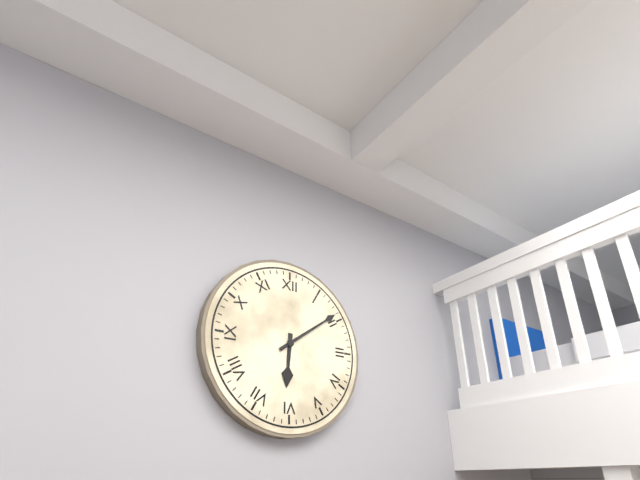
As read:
6 h 09 min
